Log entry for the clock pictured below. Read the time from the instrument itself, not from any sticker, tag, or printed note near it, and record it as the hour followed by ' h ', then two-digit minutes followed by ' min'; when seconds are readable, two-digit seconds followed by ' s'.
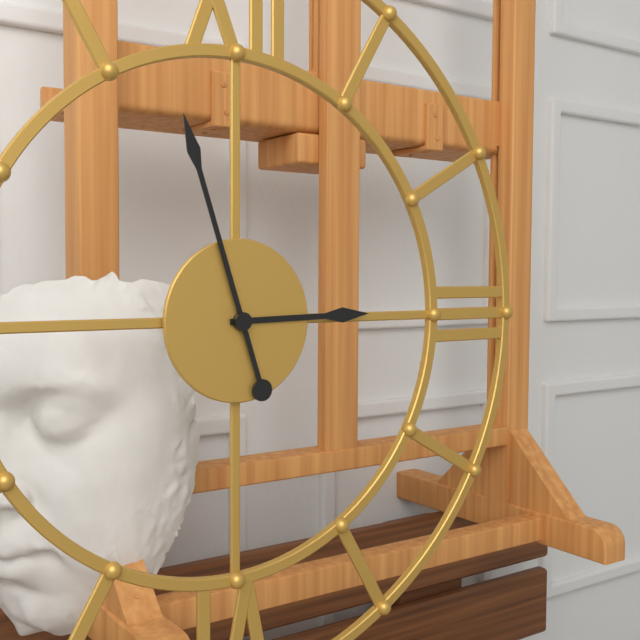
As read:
2 h 57 min
